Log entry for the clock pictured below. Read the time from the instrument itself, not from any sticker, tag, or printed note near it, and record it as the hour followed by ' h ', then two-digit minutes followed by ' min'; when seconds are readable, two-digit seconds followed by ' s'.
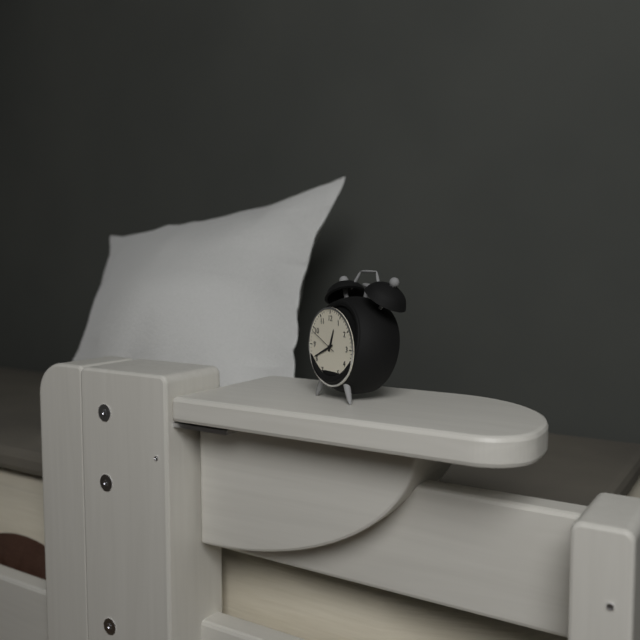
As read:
12 h 41 min
